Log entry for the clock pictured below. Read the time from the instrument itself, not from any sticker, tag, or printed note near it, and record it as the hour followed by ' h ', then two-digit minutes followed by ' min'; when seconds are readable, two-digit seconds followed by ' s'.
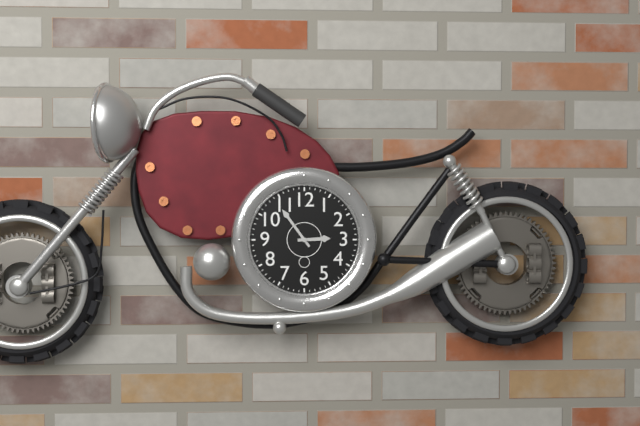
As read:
2 h 54 min
